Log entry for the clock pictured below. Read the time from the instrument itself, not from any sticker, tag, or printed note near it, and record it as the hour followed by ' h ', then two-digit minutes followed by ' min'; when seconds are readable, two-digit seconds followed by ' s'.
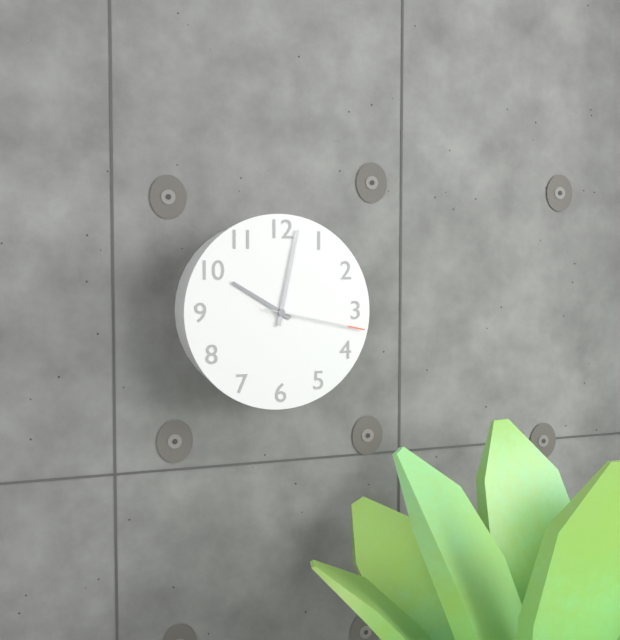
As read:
10 h 02 min 17 s
